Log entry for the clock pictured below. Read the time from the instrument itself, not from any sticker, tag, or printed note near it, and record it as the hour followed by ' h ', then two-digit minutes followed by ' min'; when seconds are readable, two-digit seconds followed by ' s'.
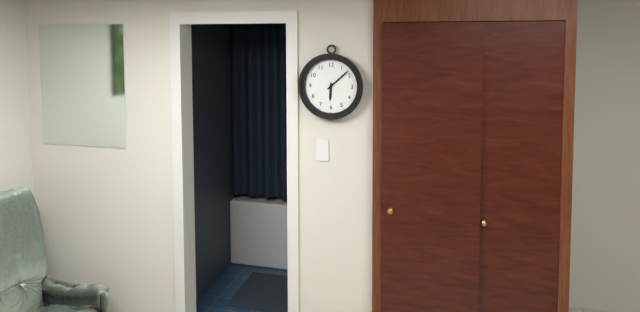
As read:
6 h 08 min
